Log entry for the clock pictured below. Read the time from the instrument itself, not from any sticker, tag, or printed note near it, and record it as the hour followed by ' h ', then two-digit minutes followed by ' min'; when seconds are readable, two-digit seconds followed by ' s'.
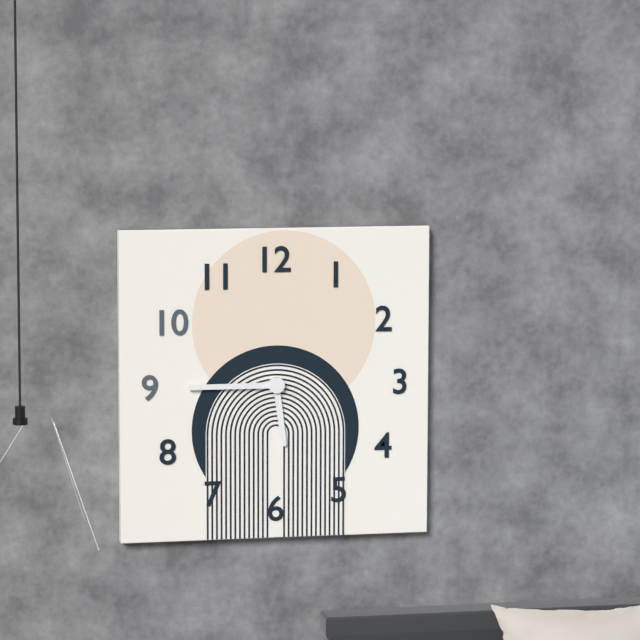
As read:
5 h 45 min
